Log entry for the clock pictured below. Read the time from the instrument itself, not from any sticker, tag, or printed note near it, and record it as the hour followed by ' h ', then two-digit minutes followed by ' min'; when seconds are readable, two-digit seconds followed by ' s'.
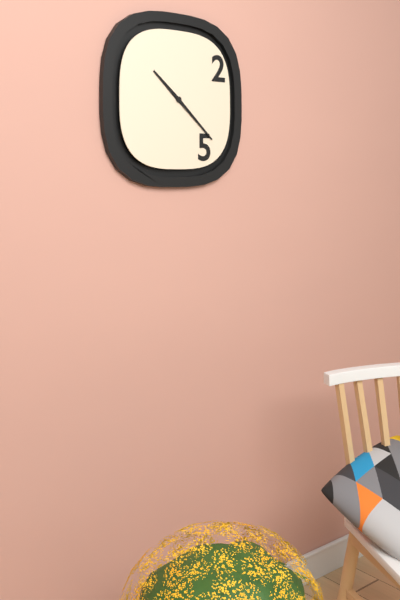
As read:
10 h 22 min
